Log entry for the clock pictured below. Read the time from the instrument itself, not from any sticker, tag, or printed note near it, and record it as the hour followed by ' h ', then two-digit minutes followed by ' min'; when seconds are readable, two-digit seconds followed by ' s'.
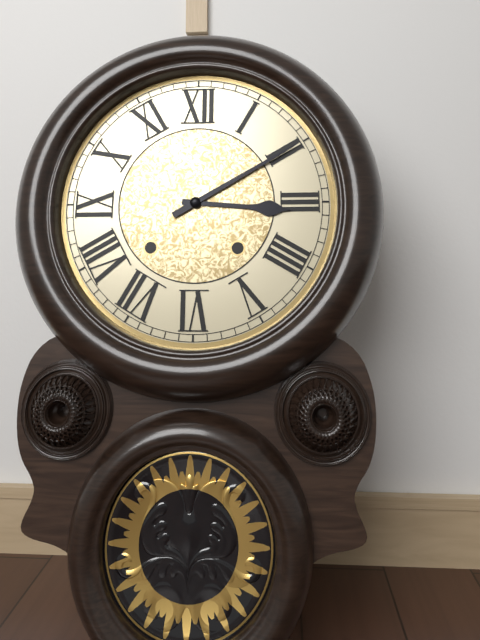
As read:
3 h 10 min
